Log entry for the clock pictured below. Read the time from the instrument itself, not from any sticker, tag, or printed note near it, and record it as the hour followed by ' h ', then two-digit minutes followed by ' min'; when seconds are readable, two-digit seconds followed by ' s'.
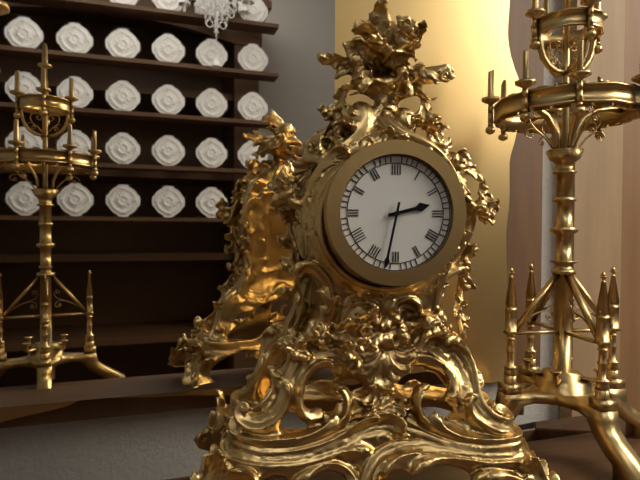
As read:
2 h 32 min
